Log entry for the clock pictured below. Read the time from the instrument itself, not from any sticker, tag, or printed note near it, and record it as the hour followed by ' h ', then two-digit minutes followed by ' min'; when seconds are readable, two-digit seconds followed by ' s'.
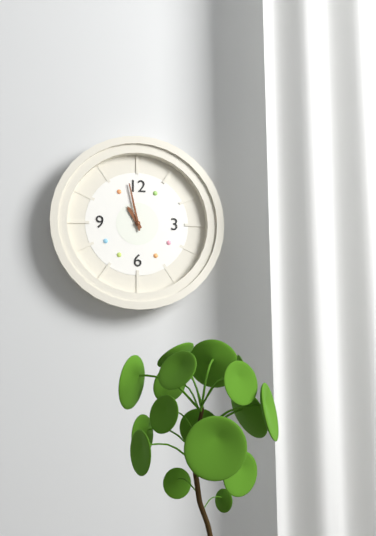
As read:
10 h 58 min
